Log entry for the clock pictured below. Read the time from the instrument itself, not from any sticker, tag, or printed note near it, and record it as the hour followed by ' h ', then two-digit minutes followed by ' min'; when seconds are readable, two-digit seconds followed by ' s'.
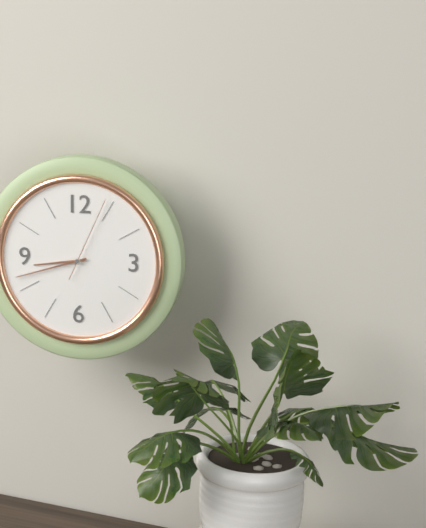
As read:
8 h 42 min 04 s
